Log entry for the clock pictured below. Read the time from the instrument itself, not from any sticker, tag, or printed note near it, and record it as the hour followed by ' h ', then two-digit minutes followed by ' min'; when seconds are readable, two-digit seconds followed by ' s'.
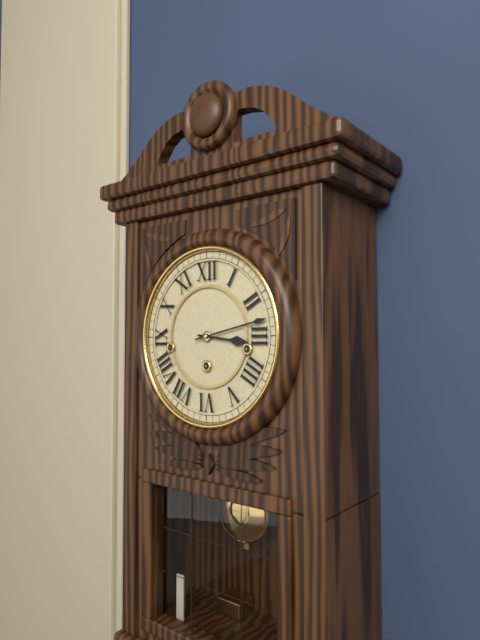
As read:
3 h 13 min
